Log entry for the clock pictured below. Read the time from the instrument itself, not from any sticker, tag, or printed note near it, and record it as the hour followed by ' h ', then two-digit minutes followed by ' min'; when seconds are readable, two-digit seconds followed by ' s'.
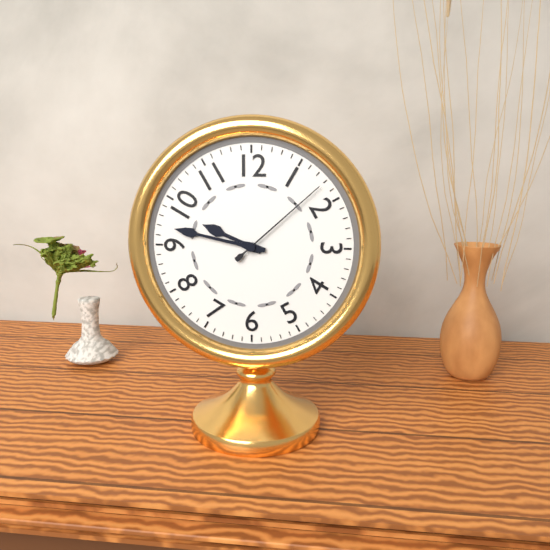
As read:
9 h 47 min 08 s
